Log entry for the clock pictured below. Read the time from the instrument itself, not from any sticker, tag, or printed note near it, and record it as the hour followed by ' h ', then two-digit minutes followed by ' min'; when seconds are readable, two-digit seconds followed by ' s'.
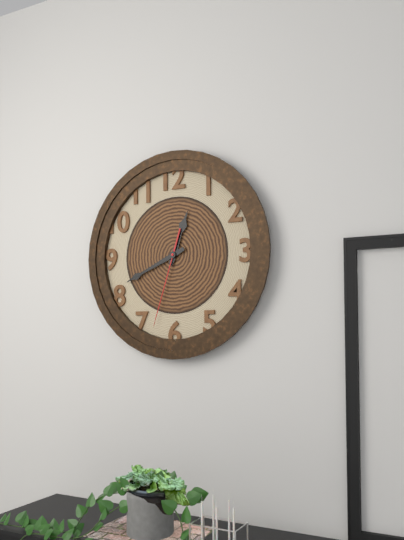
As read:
12 h 41 min 33 s
